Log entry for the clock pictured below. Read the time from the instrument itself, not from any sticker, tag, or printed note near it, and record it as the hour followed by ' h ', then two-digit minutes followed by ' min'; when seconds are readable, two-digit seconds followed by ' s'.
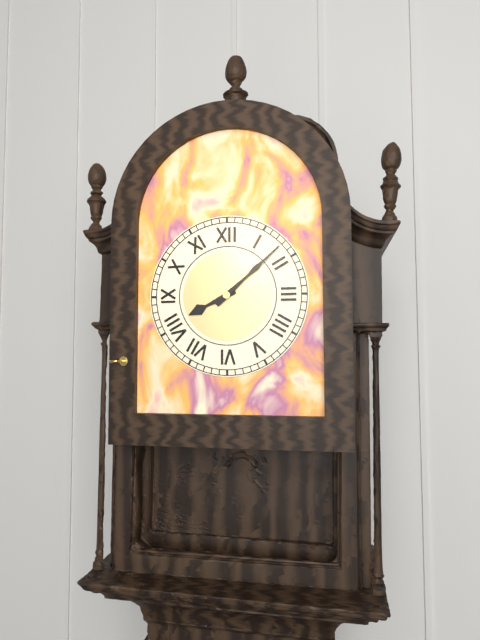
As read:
8 h 08 min
